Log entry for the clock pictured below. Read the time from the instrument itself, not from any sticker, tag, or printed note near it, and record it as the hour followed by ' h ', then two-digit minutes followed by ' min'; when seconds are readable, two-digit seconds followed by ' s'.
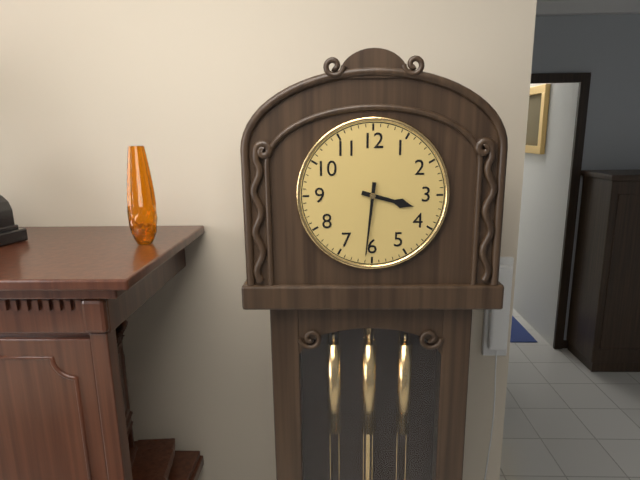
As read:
3 h 31 min
